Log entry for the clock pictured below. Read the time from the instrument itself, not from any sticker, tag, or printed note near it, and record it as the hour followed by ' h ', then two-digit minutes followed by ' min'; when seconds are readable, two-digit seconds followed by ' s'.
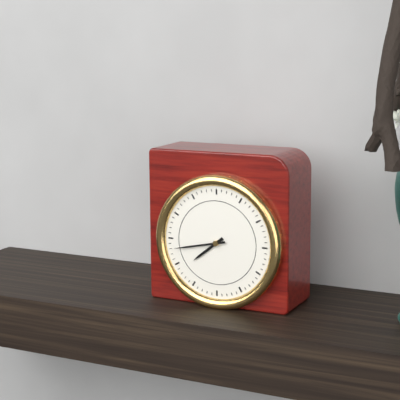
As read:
7 h 43 min
